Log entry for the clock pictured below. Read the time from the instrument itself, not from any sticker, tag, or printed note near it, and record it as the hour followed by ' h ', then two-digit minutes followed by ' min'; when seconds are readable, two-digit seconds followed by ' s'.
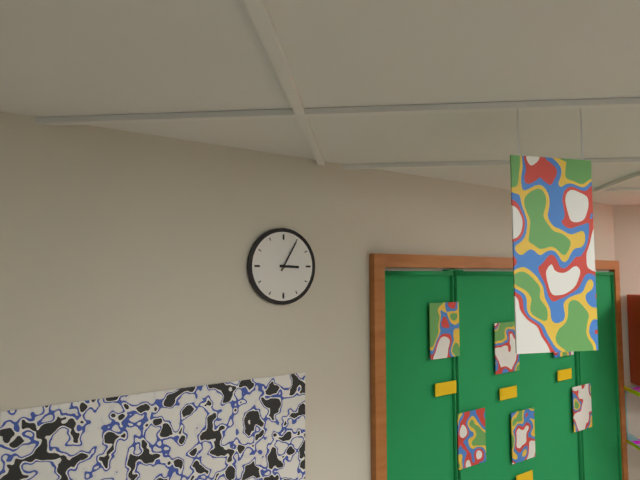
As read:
3 h 05 min
